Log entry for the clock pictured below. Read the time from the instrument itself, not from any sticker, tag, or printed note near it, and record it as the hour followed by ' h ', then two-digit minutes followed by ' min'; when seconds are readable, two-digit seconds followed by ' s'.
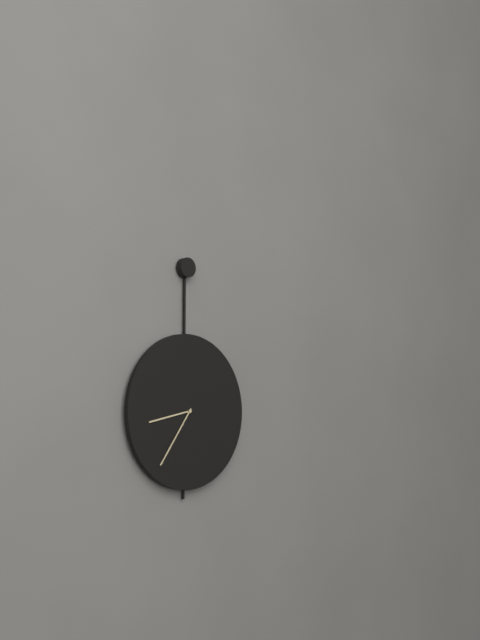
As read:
8 h 36 min
